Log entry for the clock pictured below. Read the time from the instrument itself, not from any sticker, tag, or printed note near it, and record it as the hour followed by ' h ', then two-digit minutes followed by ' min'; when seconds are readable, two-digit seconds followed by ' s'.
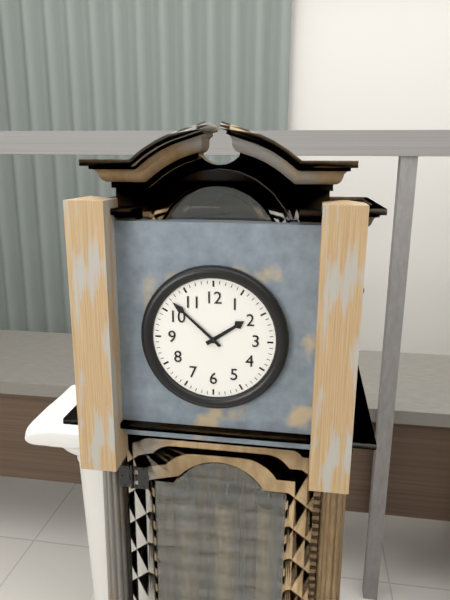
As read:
1 h 52 min
